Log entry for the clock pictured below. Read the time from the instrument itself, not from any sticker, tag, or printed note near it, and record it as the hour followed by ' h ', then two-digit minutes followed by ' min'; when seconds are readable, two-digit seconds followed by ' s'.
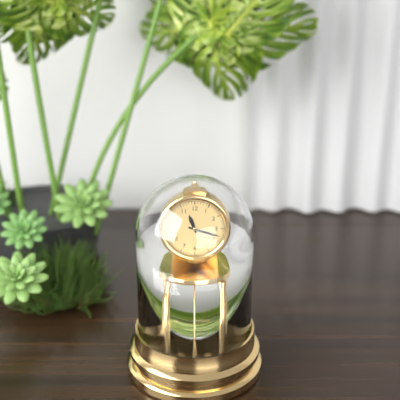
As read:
11 h 18 min
